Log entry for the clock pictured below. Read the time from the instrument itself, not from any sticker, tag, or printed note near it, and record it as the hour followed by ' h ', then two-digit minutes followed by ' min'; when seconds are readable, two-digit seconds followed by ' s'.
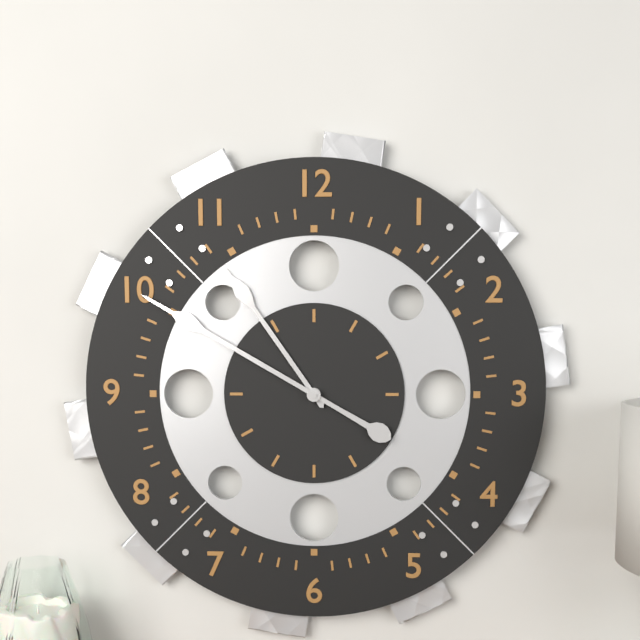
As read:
10 h 50 min
